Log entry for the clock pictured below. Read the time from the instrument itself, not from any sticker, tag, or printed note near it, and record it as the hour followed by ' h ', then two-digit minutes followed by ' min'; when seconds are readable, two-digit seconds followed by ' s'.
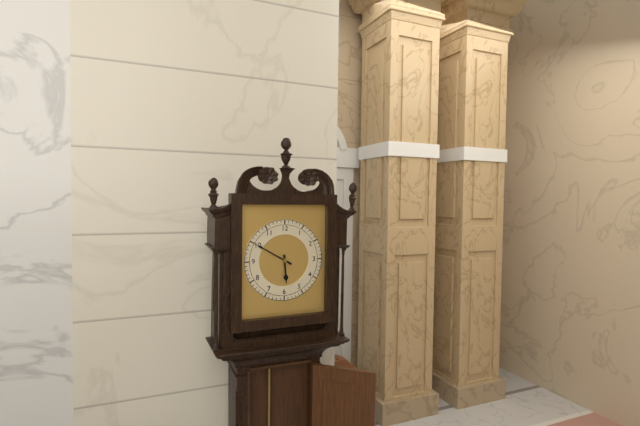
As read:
5 h 50 min
